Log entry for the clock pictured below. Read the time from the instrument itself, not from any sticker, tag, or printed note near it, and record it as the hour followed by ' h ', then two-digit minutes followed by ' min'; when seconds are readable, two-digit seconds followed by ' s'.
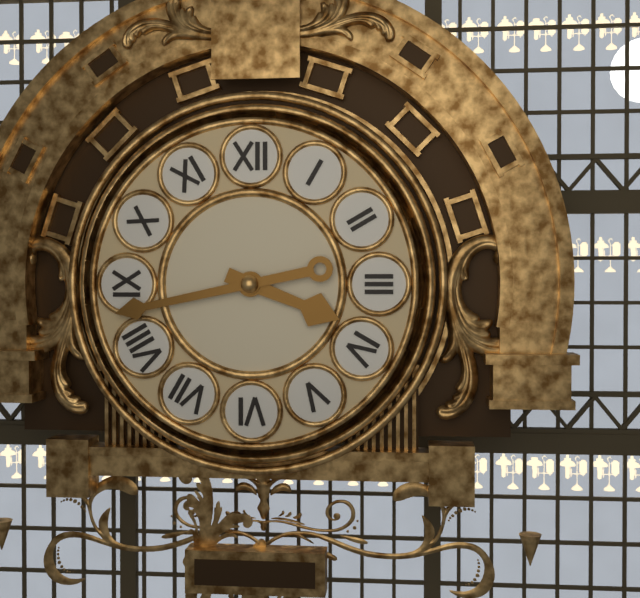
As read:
3 h 43 min
